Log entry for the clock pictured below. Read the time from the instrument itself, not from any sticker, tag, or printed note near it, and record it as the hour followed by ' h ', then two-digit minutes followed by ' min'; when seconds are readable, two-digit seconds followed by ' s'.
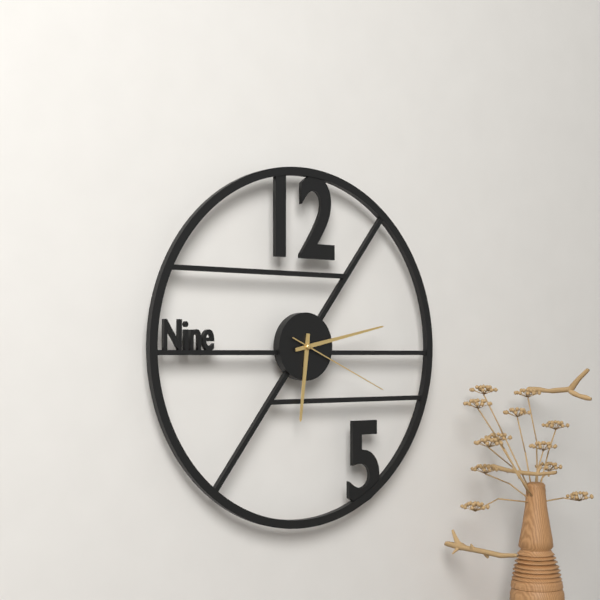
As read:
6 h 13 min 19 s
